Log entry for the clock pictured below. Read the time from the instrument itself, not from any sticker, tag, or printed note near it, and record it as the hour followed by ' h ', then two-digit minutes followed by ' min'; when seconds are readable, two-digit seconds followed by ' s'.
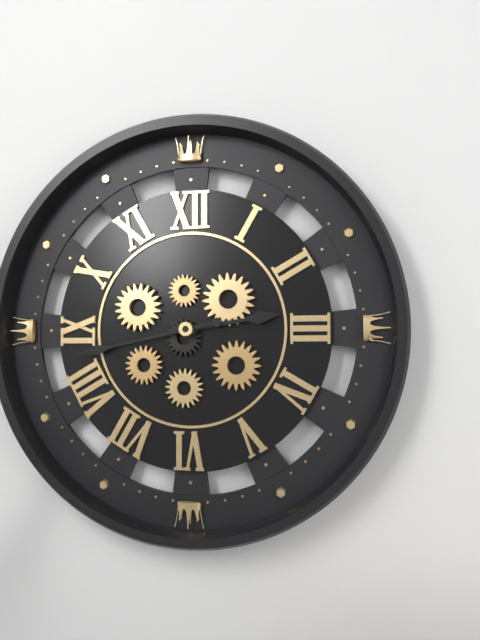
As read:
2 h 43 min
